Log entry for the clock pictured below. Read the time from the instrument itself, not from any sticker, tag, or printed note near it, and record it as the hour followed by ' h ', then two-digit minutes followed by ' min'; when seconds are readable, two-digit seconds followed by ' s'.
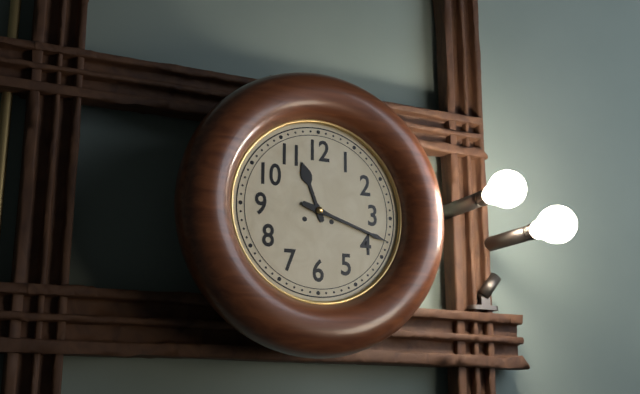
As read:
11 h 18 min
